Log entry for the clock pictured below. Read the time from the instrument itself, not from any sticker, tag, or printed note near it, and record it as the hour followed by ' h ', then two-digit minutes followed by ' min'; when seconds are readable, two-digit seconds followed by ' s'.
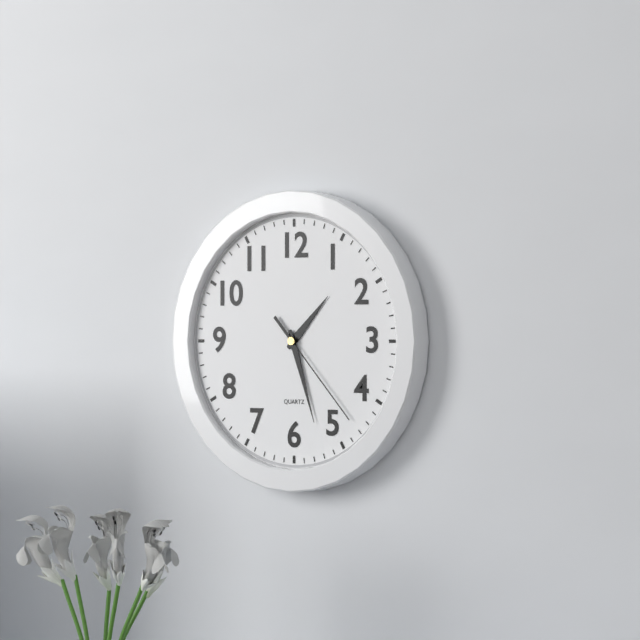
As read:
1 h 27 min 23 s
